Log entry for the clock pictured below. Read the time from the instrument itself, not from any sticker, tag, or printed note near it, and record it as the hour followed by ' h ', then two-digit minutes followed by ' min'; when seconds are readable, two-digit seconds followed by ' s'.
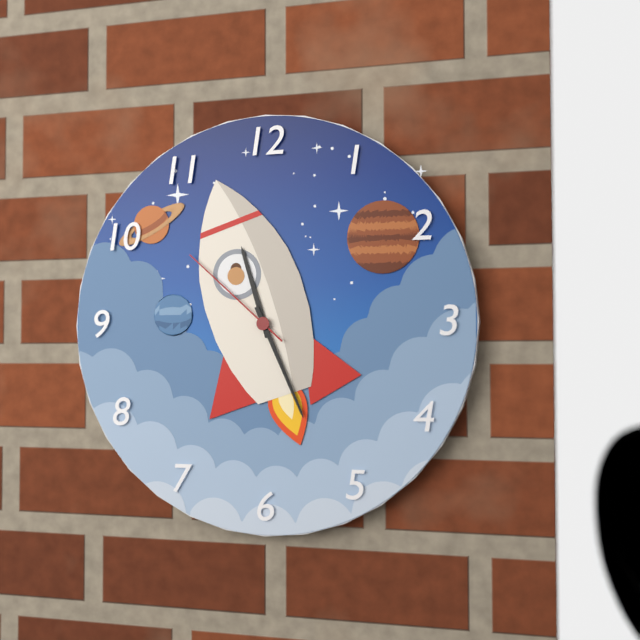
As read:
11 h 26 min 52 s
